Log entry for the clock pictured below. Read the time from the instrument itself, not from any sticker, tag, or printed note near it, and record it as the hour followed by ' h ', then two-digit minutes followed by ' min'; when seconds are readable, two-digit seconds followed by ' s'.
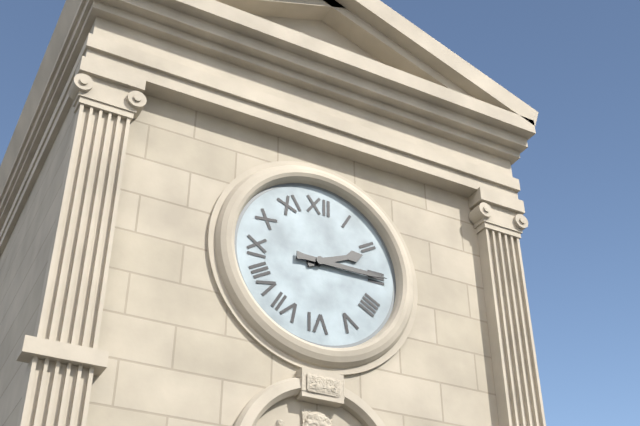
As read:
2 h 15 min
